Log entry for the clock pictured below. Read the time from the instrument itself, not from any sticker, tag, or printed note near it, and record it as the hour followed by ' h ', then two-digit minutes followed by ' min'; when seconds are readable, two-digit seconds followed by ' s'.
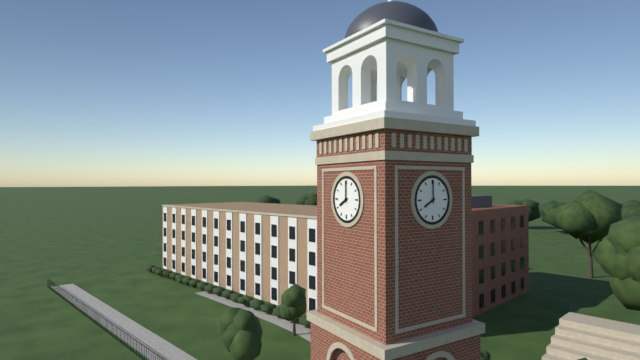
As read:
8 h 00 min
